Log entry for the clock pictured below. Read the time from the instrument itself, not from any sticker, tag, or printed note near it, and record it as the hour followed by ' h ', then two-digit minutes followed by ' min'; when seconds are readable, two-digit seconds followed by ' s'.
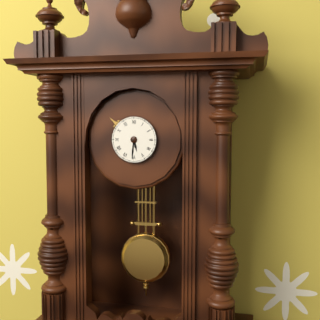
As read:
5 h 31 min
